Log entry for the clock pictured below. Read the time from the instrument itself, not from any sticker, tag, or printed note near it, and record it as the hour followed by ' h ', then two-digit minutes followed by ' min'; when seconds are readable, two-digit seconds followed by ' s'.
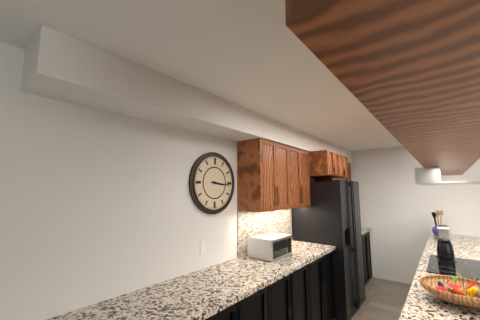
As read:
3 h 16 min
